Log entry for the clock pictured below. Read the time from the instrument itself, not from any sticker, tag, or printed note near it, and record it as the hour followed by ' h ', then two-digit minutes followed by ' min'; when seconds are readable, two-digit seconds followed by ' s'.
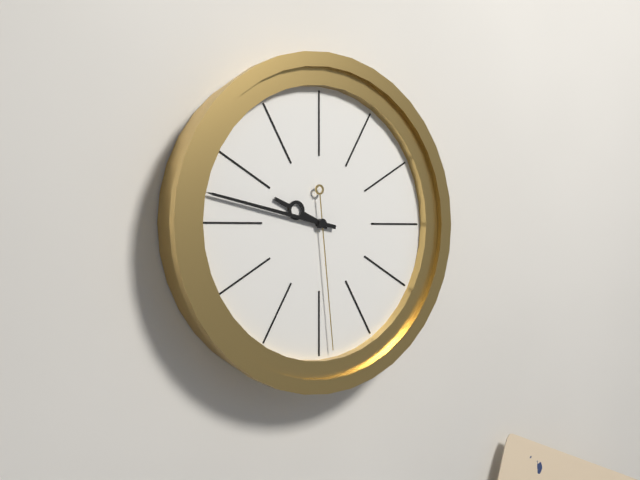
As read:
9 h 47 min 29 s
